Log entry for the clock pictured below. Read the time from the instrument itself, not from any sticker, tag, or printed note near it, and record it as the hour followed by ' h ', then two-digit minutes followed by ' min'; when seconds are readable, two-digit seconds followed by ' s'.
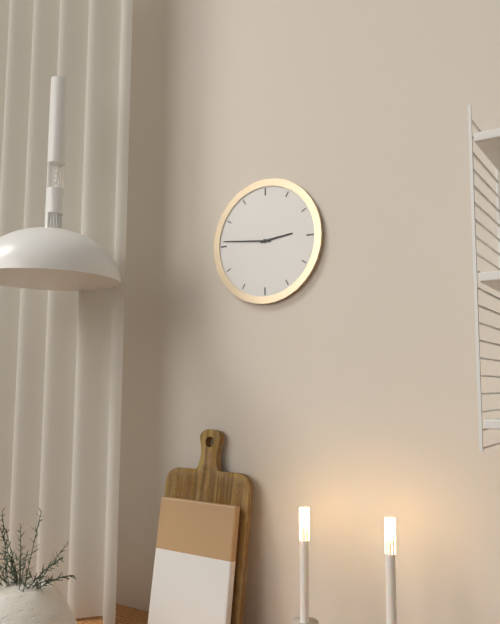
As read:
2 h 46 min
